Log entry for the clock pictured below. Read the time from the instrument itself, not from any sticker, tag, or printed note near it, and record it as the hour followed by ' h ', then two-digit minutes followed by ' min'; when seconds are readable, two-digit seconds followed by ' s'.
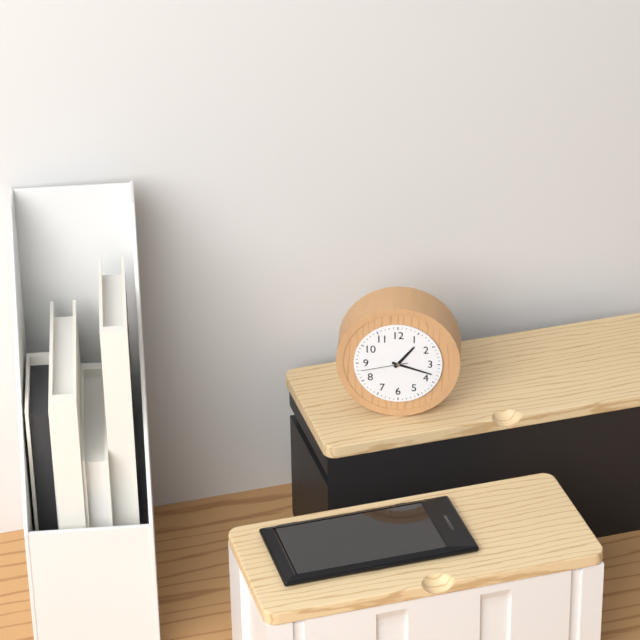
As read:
1 h 18 min
